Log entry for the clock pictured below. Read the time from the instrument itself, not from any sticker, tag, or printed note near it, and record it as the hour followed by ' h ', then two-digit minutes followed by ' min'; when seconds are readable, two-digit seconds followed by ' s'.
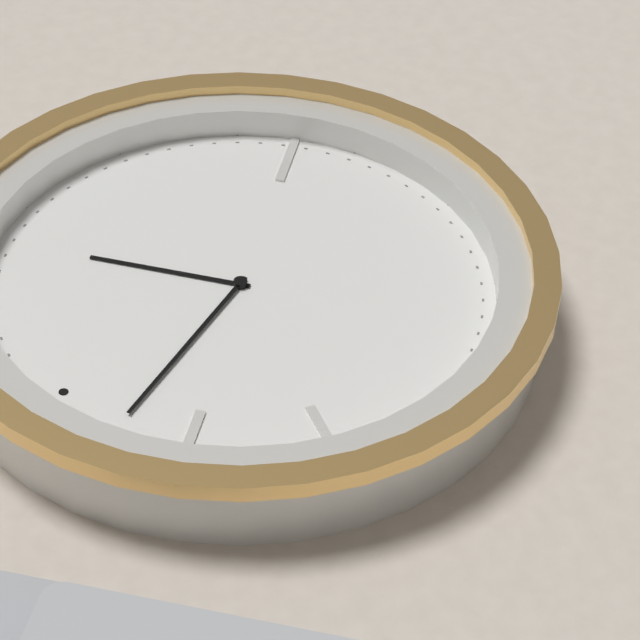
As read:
1 h 57 min
